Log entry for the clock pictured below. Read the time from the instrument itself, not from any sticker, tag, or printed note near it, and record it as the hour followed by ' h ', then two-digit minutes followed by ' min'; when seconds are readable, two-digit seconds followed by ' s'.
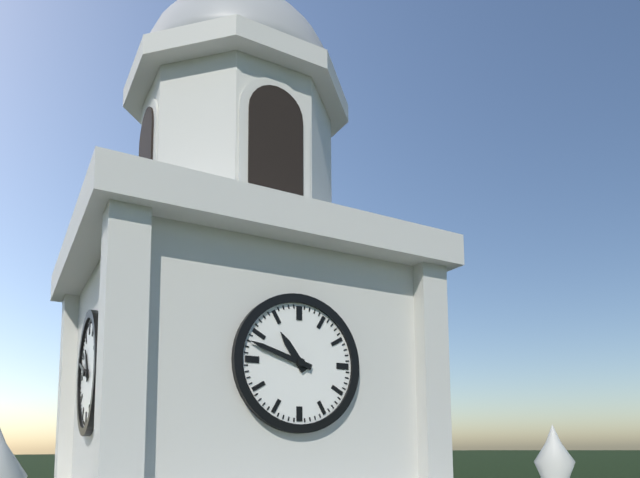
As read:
10 h 48 min
